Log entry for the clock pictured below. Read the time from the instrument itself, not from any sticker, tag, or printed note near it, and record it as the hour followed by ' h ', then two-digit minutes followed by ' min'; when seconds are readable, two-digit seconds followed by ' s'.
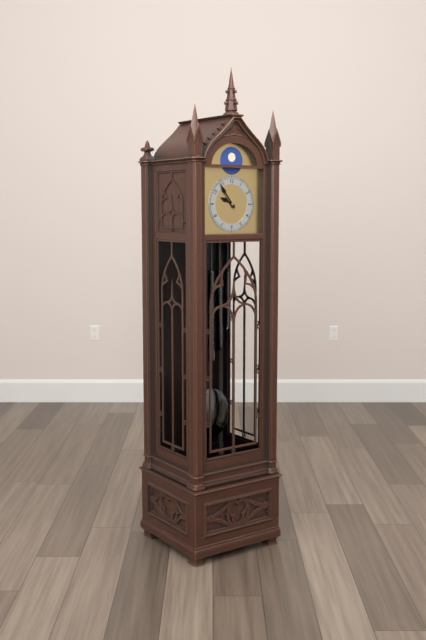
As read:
9 h 54 min
